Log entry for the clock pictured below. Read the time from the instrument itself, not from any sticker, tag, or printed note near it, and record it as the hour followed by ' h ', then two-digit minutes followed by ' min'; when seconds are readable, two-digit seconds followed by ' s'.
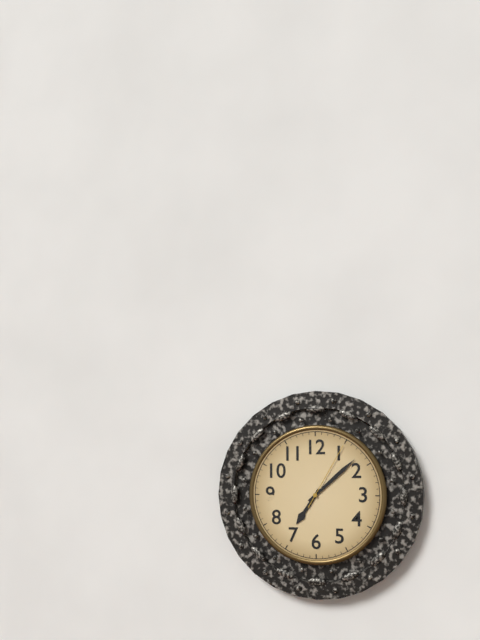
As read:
7 h 08 min 05 s
